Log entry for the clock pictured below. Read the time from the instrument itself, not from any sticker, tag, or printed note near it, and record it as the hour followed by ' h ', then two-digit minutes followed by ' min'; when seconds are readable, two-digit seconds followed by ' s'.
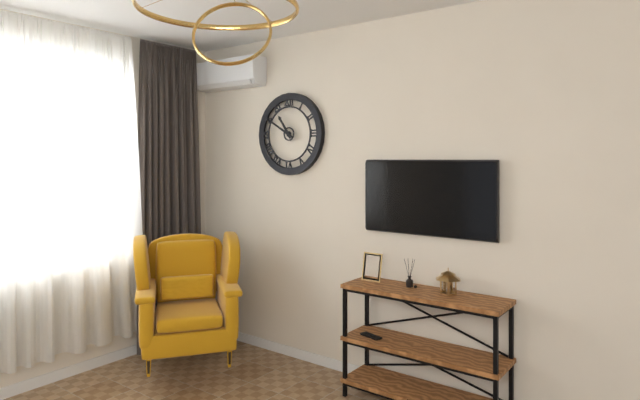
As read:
10 h 50 min
